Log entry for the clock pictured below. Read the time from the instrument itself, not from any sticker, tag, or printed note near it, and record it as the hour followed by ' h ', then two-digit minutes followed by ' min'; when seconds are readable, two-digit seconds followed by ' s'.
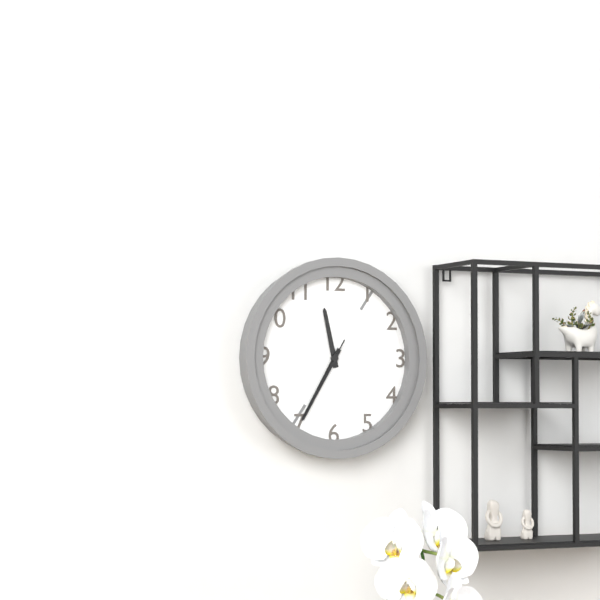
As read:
11 h 35 min 35 s
